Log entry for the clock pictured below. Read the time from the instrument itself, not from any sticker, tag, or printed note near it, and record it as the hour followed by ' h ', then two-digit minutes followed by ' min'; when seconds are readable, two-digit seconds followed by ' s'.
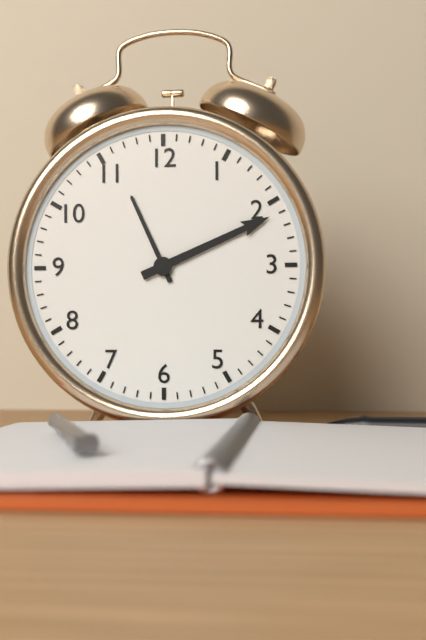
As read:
11 h 11 min
